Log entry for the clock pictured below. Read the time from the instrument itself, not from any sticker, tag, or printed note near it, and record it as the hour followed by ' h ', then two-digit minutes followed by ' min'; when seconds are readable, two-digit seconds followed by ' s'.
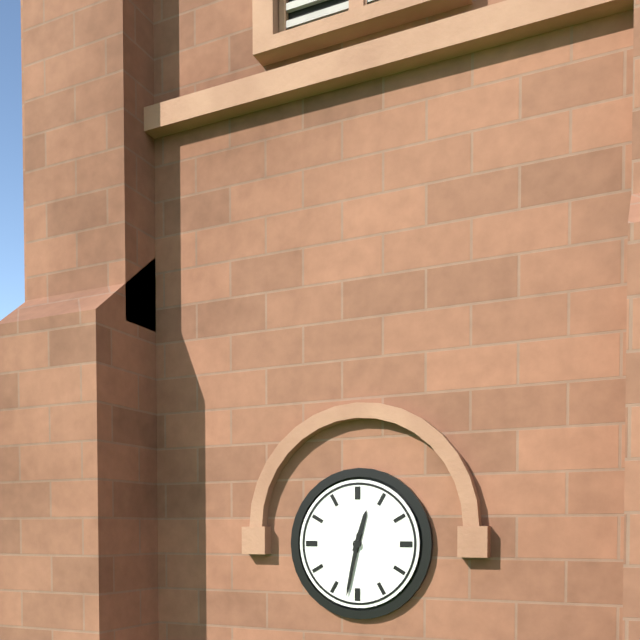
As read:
12 h 32 min
